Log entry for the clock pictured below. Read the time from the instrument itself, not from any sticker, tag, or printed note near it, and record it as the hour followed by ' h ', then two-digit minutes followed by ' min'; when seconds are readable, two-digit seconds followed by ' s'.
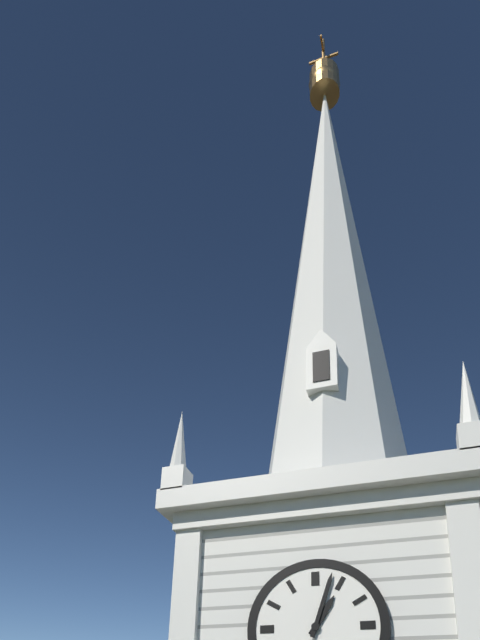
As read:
1 h 03 min
